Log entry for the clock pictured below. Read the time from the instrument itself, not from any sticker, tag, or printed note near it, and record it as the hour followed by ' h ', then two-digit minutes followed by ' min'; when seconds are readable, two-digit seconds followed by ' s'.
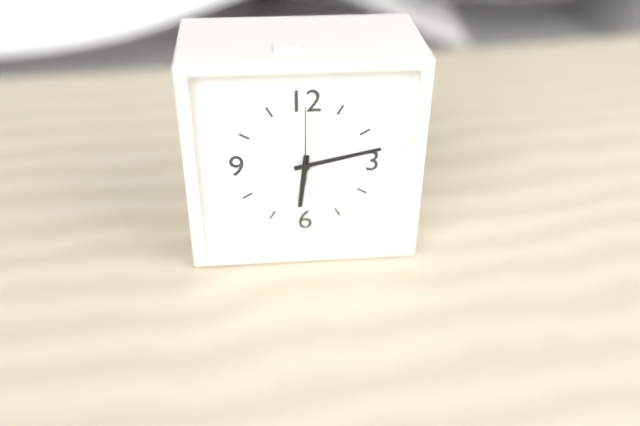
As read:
6 h 13 min 00 s
